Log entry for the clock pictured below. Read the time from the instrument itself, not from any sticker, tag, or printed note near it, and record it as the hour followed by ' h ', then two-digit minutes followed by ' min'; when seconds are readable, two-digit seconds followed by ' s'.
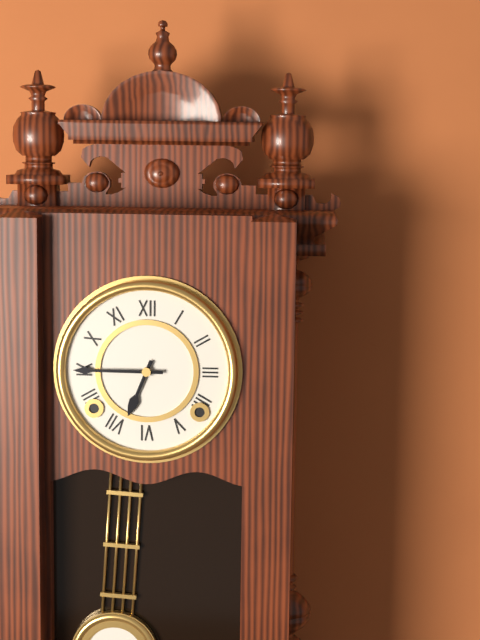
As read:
6 h 45 min
